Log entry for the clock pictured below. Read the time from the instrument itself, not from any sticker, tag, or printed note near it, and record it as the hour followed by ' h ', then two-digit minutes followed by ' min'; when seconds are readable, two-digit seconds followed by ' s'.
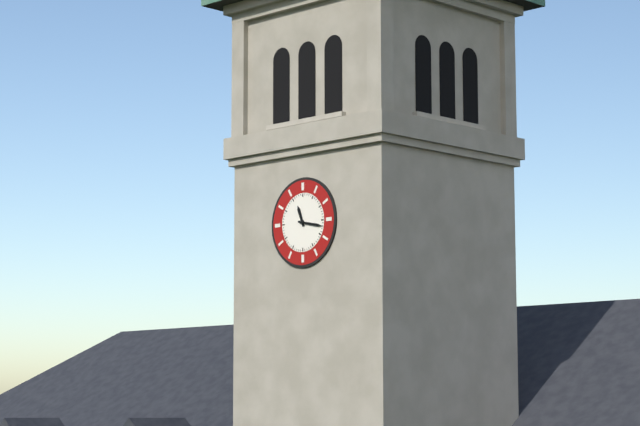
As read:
11 h 17 min
